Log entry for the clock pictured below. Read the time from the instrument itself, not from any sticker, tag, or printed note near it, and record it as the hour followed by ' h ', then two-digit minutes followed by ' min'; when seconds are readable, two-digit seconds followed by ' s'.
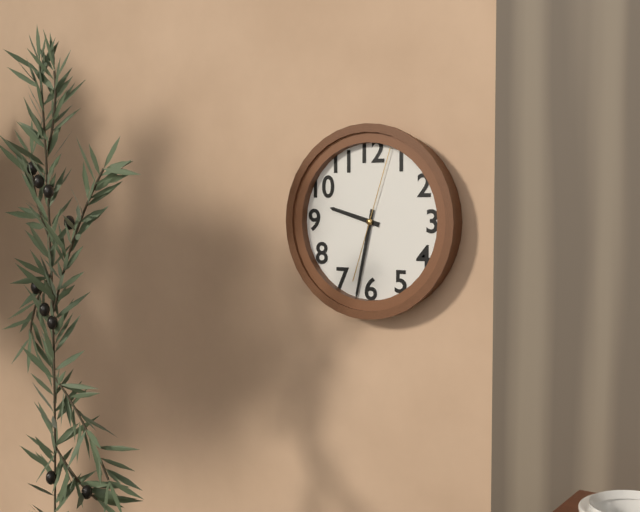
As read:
9 h 32 min 03 s
